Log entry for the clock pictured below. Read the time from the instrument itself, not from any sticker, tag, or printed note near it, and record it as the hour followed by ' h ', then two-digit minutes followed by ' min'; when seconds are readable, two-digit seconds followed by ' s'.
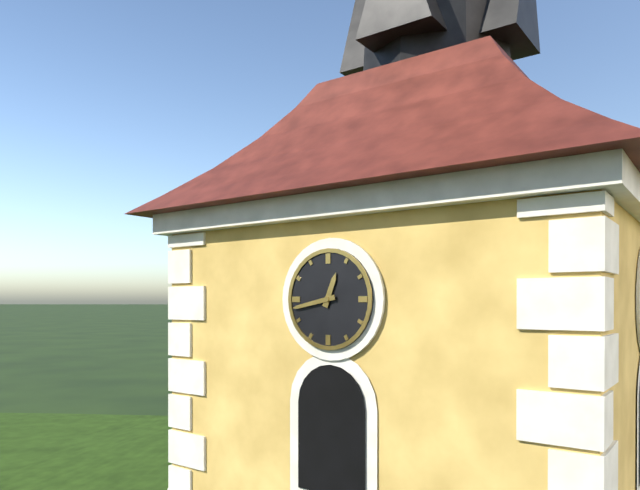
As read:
12 h 43 min
